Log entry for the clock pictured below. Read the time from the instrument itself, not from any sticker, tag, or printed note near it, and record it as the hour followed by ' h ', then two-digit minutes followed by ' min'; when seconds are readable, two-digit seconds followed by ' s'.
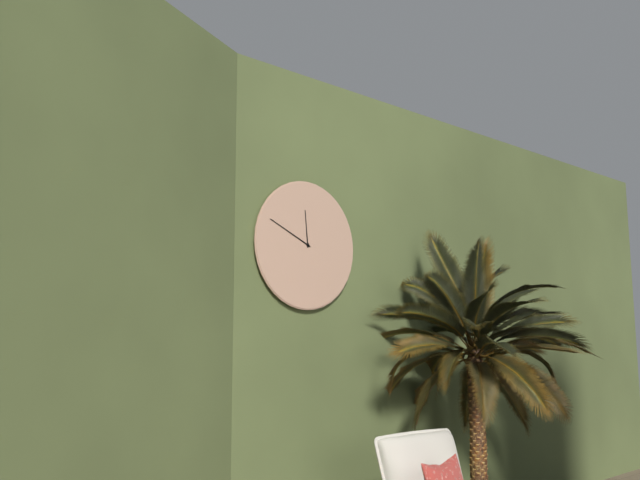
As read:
11 h 49 min
